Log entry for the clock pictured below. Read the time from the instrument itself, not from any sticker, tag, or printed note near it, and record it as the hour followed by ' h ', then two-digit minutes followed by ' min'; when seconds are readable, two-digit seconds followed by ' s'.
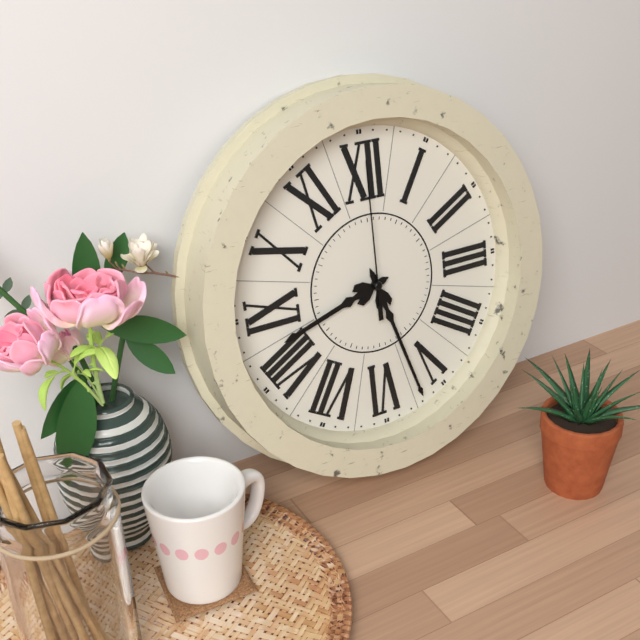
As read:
8 h 27 min 00 s
